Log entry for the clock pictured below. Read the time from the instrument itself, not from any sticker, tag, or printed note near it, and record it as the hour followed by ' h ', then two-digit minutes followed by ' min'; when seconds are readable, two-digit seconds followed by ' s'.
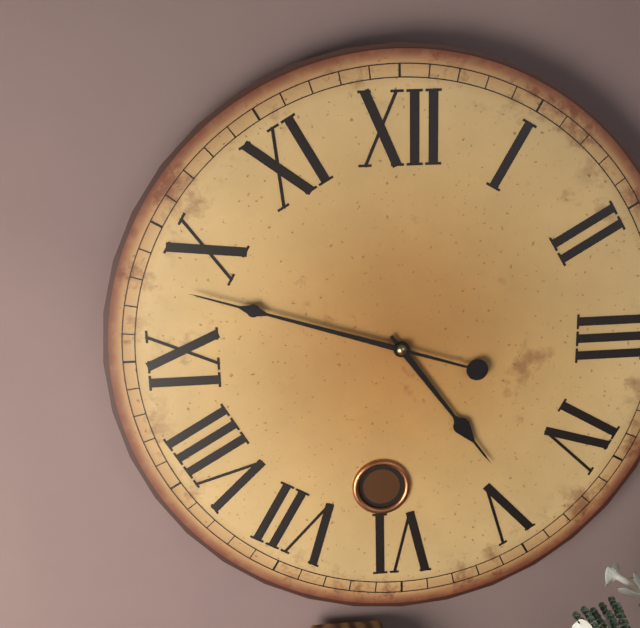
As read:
4 h 48 min
